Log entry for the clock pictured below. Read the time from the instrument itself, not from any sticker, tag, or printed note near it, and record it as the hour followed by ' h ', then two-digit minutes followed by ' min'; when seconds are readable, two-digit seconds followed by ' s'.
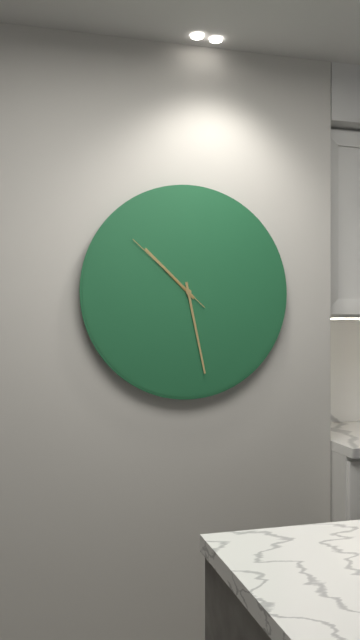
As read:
10 h 28 min 52 s
